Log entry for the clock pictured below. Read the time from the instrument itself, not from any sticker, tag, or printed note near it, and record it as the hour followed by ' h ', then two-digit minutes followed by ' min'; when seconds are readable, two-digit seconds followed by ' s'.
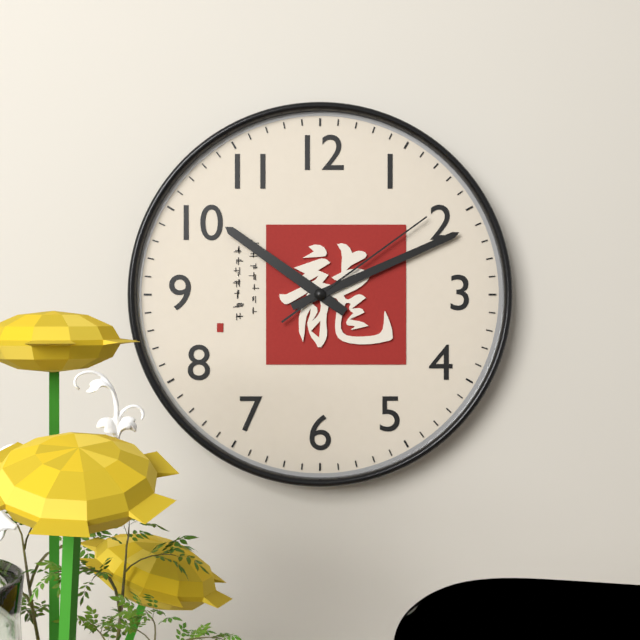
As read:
10 h 11 min 09 s
